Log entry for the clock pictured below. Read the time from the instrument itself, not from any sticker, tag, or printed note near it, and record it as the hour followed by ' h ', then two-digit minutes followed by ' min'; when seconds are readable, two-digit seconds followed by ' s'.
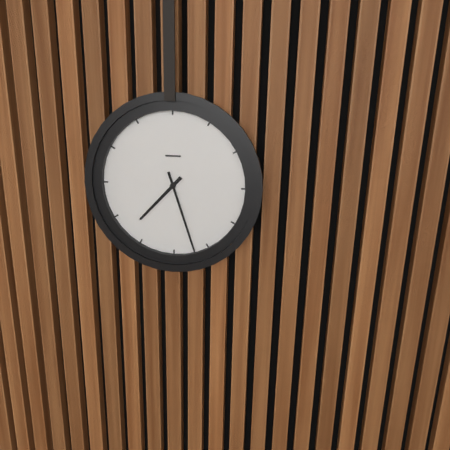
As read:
7 h 27 min
